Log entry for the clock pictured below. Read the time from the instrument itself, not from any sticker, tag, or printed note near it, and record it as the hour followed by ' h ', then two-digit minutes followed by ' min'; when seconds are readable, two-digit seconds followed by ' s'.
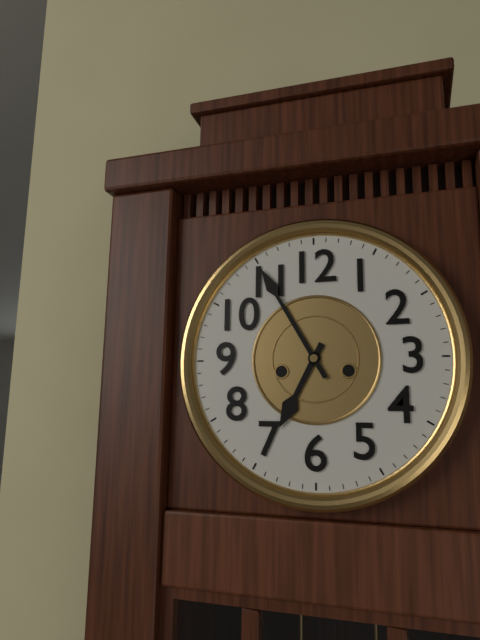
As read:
6 h 55 min
